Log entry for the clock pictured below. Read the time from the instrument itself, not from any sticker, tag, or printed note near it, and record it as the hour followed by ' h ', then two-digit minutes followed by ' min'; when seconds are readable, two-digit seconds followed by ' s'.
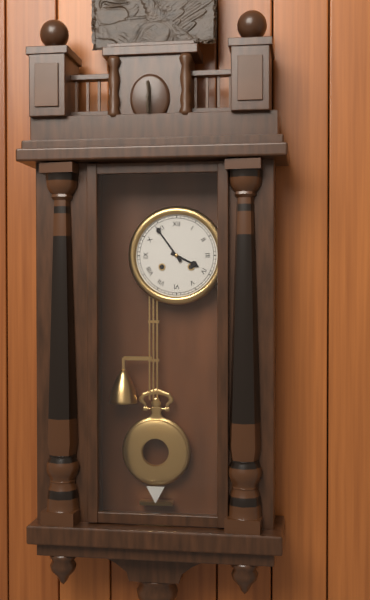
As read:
3 h 54 min
